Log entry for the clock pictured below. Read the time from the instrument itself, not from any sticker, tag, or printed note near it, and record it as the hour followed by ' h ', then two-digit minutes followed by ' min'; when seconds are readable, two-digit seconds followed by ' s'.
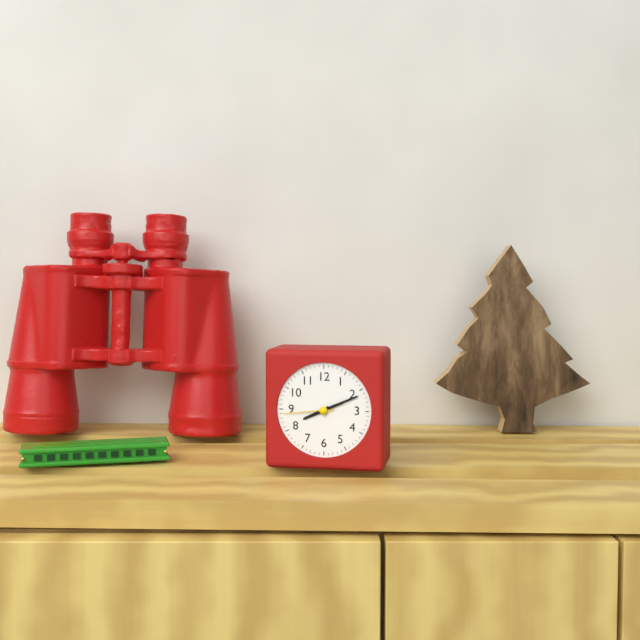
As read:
8 h 11 min 44 s
